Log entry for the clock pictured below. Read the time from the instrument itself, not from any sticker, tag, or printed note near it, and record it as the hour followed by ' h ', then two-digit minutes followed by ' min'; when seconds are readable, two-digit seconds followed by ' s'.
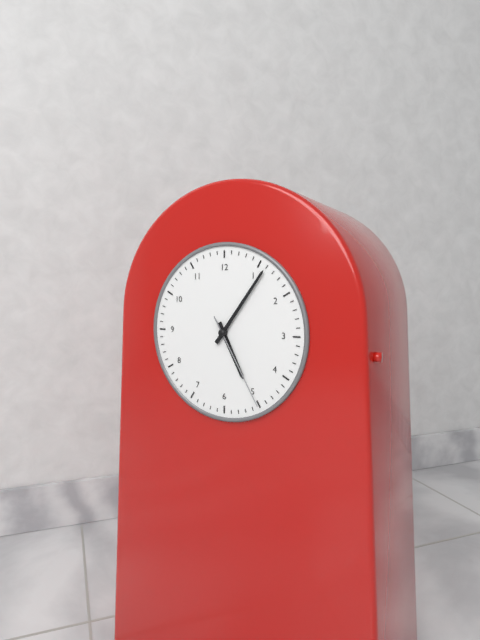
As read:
5 h 06 min 25 s
